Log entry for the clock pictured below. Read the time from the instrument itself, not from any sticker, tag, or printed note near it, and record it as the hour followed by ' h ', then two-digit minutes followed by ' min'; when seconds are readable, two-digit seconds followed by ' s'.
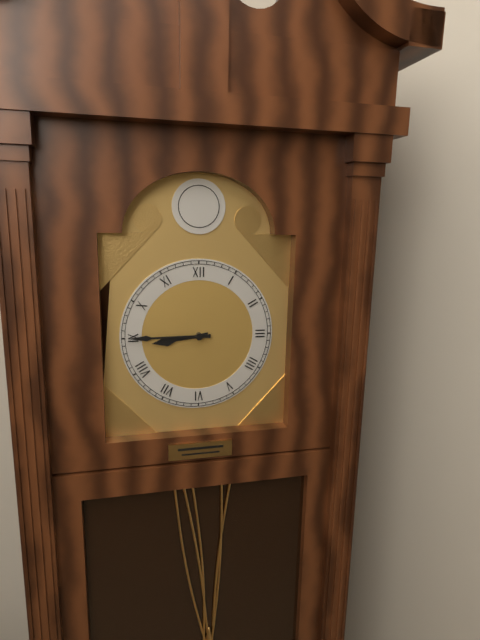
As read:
8 h 45 min
